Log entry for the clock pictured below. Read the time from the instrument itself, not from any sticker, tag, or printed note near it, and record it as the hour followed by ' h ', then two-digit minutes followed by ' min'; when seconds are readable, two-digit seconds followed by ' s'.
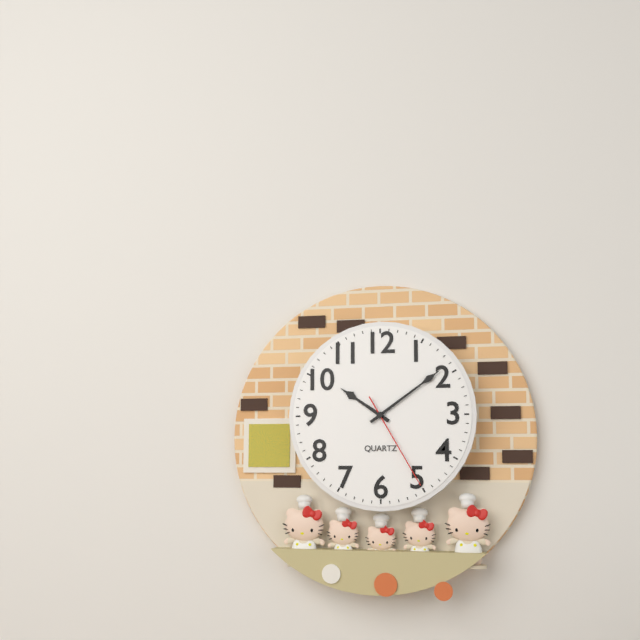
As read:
10 h 09 min 25 s
